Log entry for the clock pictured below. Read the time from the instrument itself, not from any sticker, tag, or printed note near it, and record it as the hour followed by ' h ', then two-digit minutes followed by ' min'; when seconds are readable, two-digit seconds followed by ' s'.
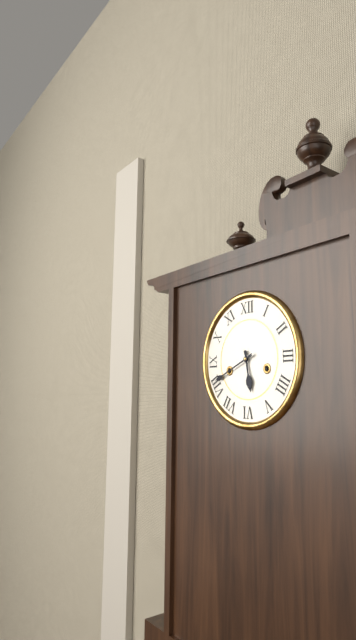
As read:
5 h 41 min
